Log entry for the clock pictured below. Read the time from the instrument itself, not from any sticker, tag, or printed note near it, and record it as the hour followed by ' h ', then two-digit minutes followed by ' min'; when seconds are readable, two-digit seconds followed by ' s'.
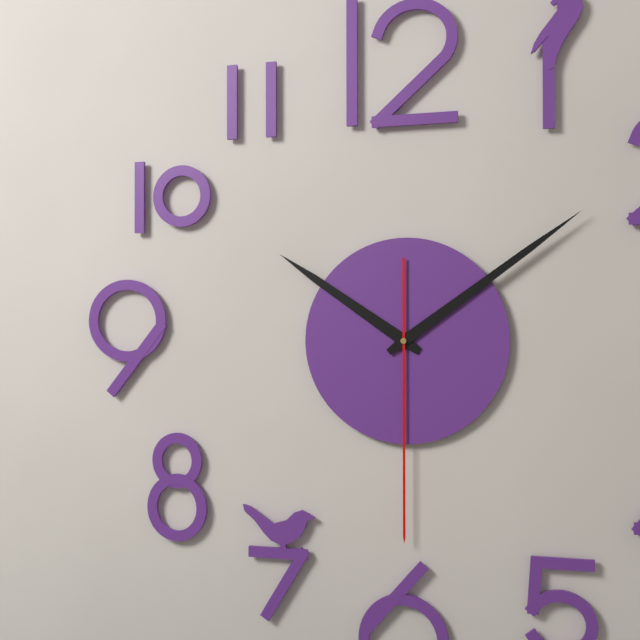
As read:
10 h 09 min 30 s
